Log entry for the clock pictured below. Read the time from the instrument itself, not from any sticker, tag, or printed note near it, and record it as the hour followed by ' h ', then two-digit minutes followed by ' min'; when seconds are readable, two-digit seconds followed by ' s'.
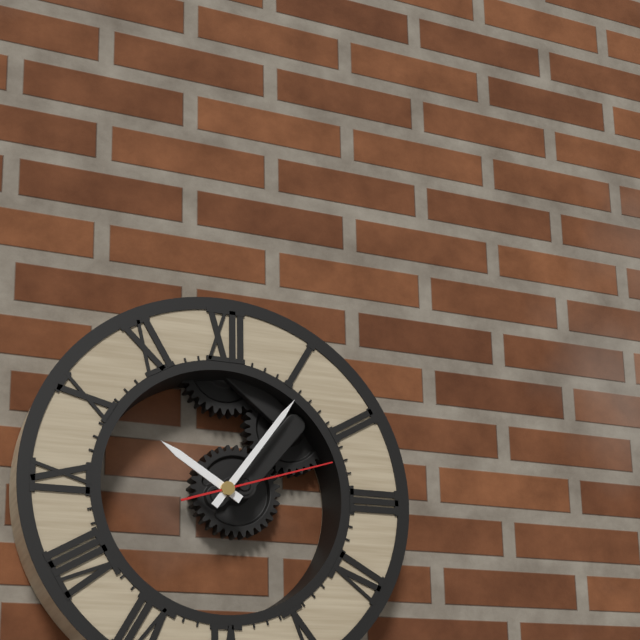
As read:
10 h 06 min 12 s
